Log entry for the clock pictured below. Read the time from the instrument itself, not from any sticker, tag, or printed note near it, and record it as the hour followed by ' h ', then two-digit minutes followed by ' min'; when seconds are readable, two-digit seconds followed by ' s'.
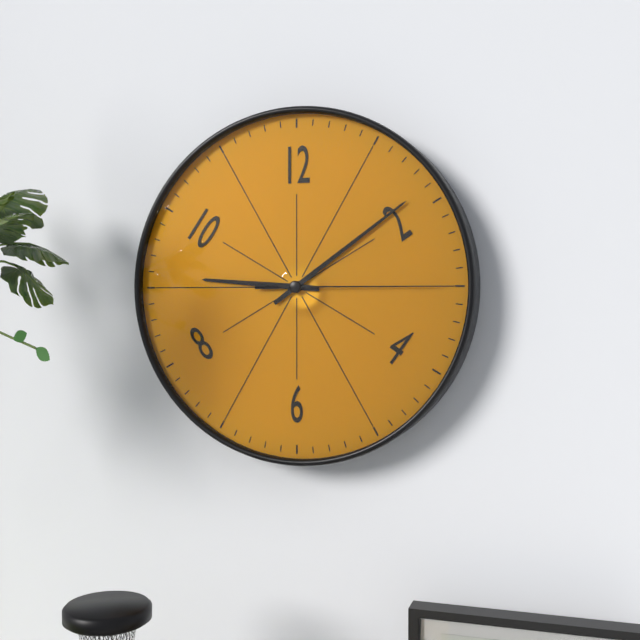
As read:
9 h 09 min 15 s
